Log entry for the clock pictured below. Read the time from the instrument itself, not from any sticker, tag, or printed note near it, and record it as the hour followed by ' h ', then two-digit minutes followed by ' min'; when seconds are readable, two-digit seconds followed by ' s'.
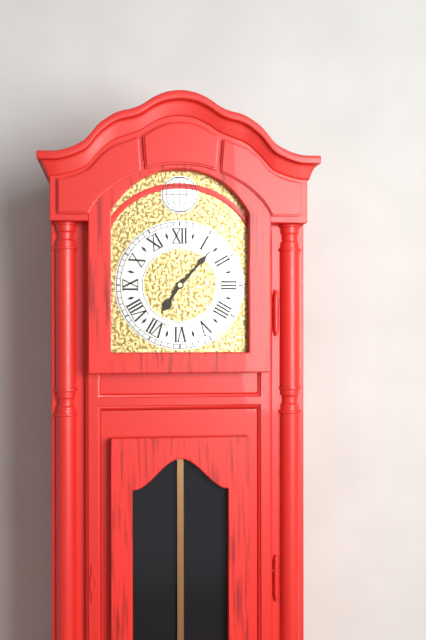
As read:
7 h 07 min
